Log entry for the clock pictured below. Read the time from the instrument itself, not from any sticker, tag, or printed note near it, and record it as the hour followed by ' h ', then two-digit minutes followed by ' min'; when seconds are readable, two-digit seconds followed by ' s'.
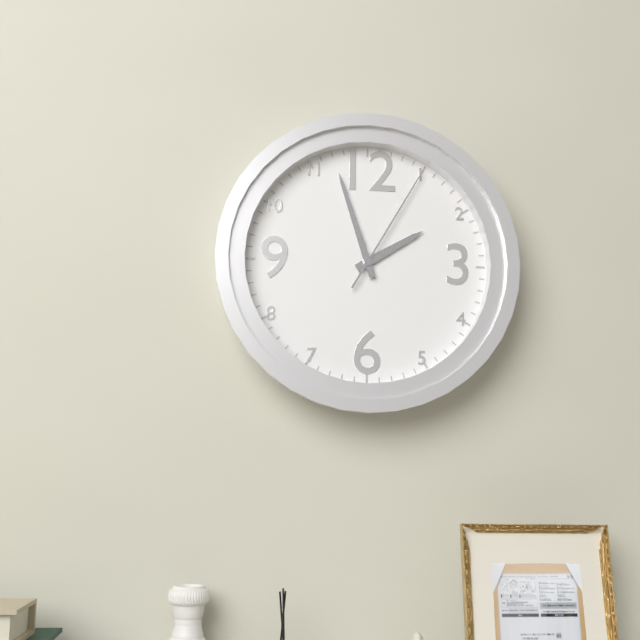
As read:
1 h 57 min 05 s
